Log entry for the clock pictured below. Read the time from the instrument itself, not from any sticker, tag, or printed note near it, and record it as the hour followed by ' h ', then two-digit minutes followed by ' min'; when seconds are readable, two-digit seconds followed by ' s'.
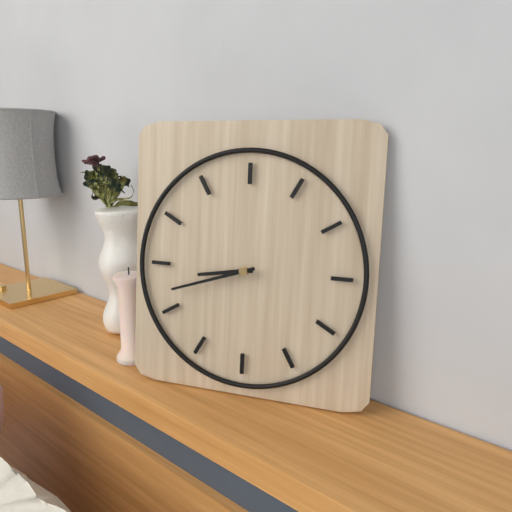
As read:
8 h 42 min
